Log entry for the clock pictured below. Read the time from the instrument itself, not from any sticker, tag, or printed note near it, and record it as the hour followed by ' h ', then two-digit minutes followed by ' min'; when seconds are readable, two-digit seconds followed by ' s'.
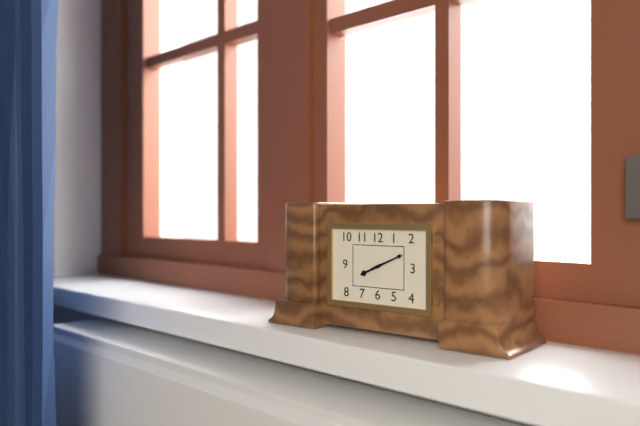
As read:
8 h 11 min
